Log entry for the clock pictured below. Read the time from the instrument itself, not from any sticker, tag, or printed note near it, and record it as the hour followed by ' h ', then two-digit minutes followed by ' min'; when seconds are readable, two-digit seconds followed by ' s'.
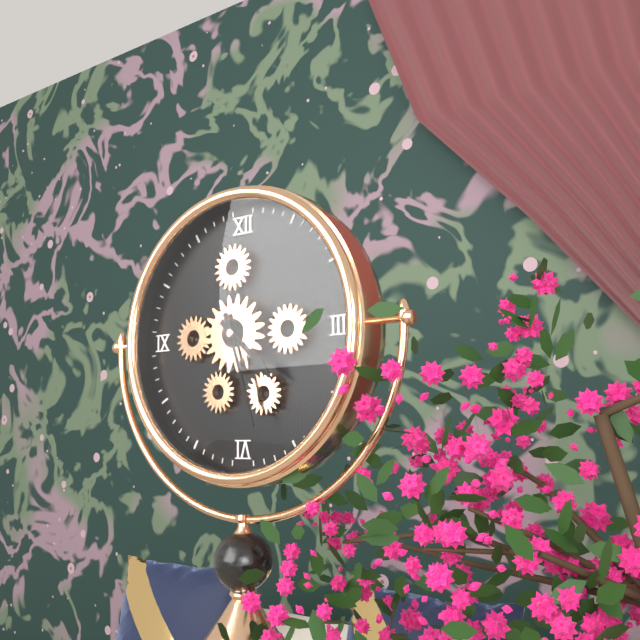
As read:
4 h 27 min
